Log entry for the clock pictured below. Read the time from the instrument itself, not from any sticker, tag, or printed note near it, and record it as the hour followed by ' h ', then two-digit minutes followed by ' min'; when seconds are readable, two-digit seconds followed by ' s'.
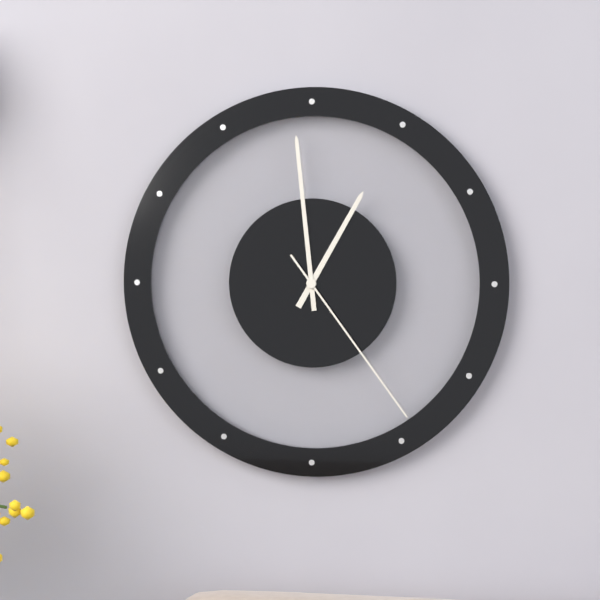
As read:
12 h 59 min 24 s
